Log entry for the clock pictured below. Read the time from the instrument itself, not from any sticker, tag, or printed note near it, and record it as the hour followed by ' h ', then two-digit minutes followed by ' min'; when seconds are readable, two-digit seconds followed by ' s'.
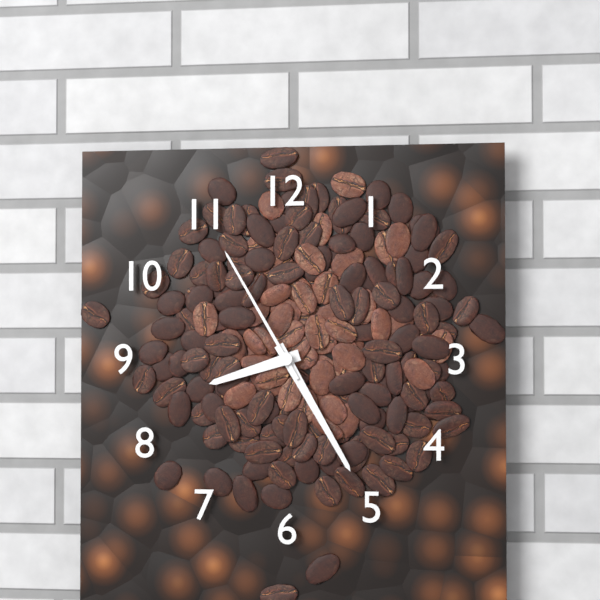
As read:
8 h 25 min 55 s
